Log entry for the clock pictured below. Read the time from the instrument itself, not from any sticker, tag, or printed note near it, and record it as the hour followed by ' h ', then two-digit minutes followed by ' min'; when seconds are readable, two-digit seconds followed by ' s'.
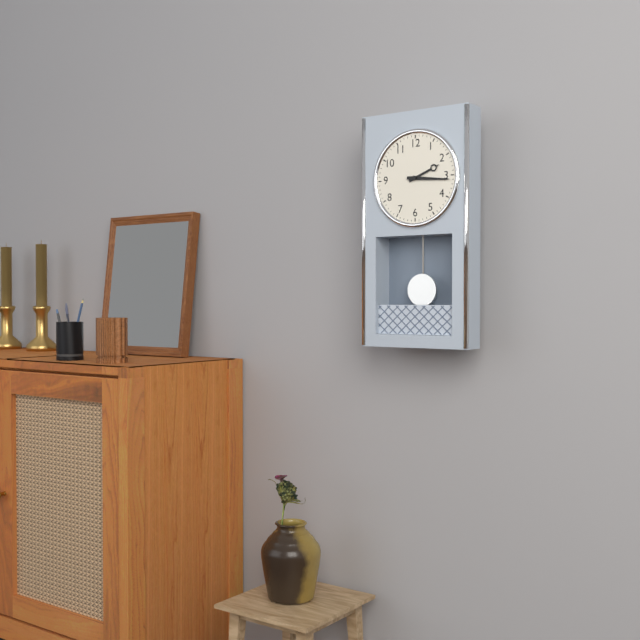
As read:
2 h 16 min
